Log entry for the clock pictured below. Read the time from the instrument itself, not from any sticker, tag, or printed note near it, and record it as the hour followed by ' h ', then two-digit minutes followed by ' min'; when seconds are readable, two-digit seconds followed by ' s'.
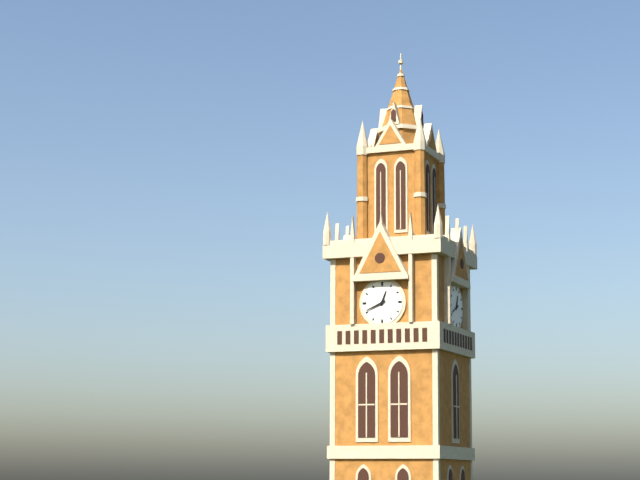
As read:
12 h 41 min
